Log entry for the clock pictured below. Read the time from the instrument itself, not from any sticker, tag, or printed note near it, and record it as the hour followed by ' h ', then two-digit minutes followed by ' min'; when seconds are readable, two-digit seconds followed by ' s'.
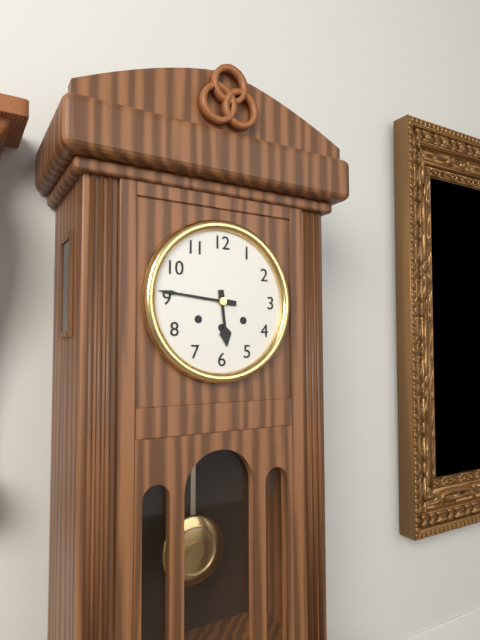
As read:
5 h 46 min
